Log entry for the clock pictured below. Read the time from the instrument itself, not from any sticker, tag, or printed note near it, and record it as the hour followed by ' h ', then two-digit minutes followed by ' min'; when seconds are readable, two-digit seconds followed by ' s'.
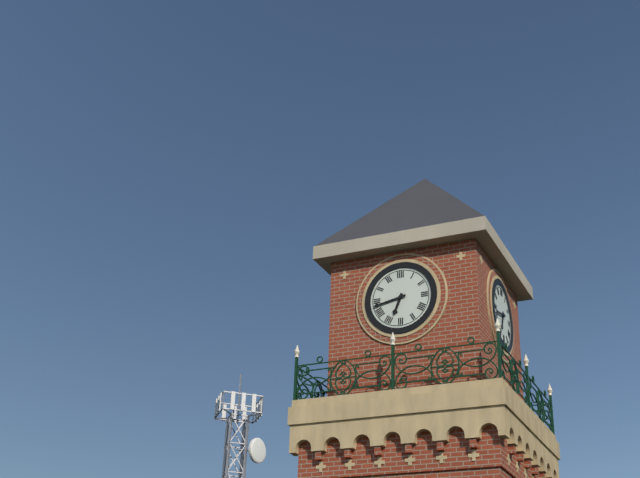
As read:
6 h 43 min
